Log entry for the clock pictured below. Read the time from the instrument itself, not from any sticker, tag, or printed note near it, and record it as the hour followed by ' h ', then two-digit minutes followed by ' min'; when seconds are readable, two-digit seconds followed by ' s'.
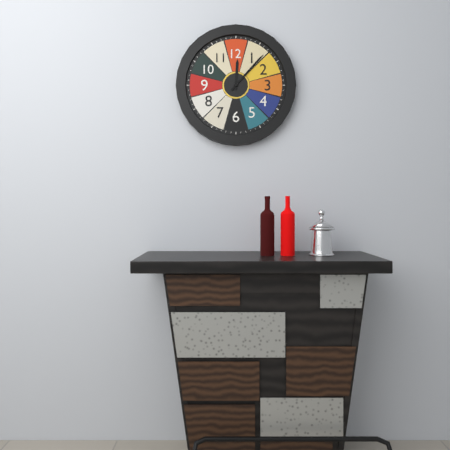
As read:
12 h 07 min
